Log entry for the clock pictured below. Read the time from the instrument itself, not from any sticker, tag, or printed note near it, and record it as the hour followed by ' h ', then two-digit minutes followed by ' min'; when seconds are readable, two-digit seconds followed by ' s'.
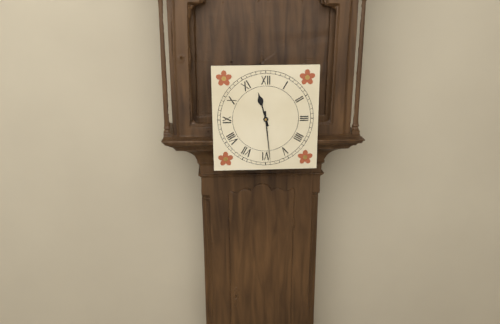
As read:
11 h 29 min
